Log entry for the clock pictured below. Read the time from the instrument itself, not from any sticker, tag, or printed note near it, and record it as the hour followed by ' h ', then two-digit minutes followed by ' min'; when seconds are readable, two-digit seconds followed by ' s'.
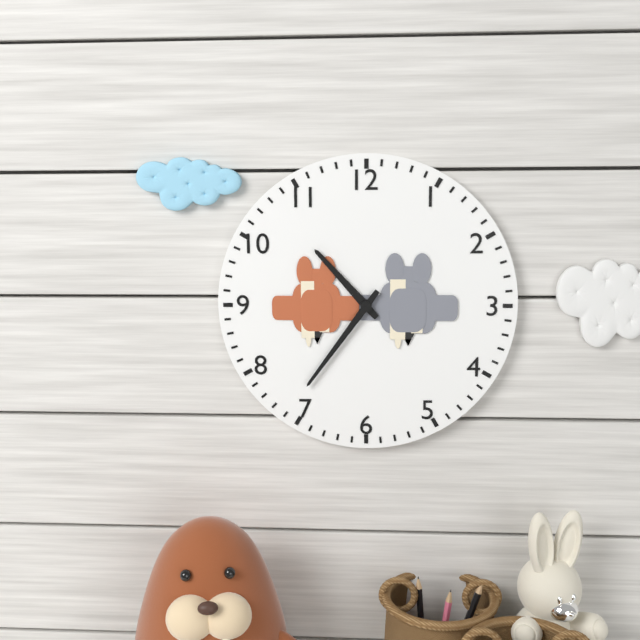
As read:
10 h 36 min
